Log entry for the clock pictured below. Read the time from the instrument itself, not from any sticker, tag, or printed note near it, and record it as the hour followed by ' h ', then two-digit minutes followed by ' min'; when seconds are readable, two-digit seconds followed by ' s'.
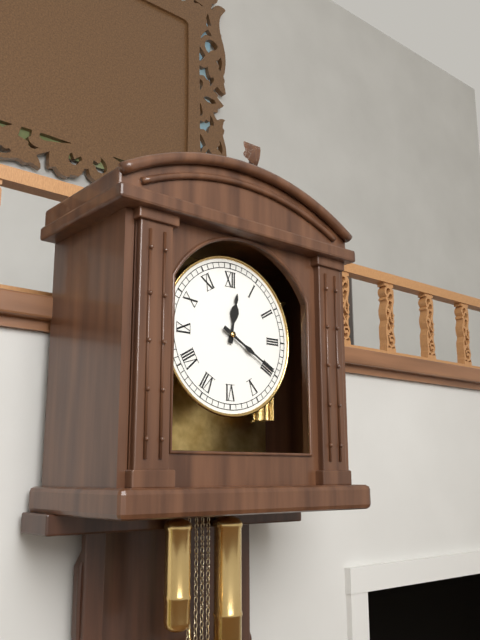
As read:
12 h 20 min
